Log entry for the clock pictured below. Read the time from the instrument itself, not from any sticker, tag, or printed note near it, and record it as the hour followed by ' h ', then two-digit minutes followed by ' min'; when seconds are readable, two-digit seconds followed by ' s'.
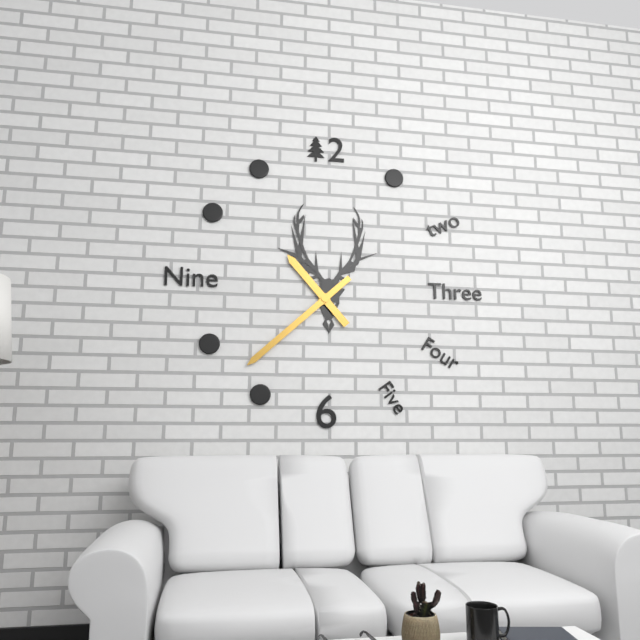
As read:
10 h 38 min
